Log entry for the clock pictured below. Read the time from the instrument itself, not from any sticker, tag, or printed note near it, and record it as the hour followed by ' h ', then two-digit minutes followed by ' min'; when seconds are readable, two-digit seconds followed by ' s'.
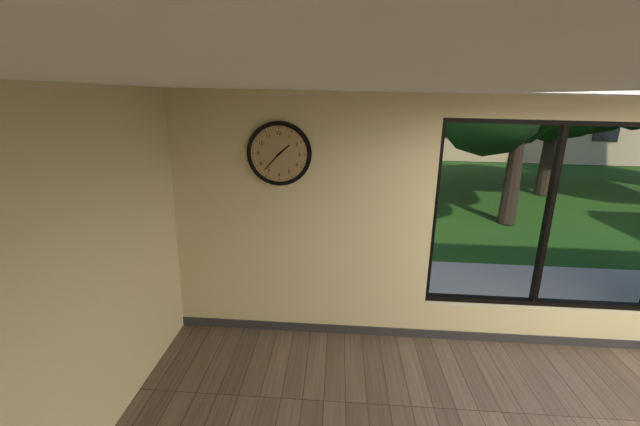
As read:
1 h 37 min
